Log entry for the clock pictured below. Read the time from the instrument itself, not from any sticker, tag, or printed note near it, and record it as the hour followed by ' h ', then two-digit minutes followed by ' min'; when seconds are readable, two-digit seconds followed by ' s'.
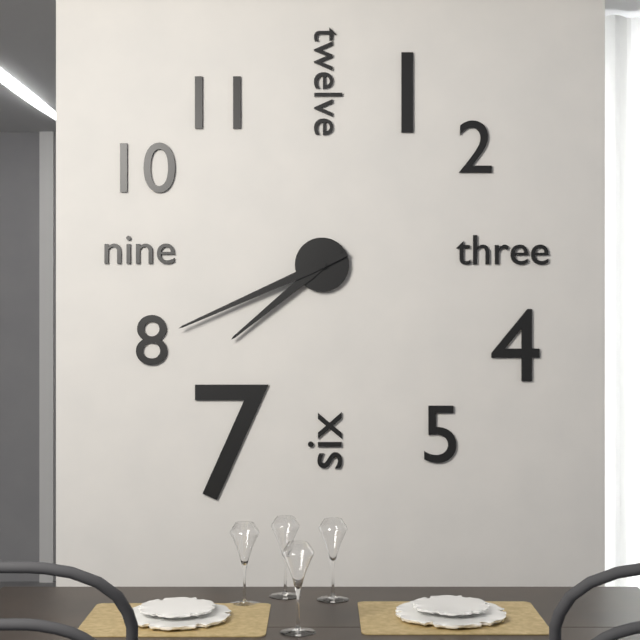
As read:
7 h 41 min
